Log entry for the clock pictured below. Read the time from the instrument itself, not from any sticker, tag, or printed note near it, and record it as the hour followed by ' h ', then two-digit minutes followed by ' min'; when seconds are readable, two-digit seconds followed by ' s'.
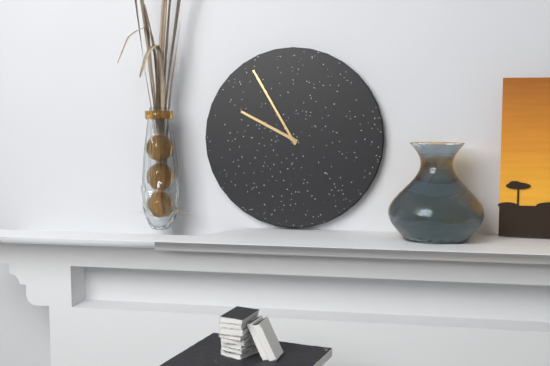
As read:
9 h 55 min
